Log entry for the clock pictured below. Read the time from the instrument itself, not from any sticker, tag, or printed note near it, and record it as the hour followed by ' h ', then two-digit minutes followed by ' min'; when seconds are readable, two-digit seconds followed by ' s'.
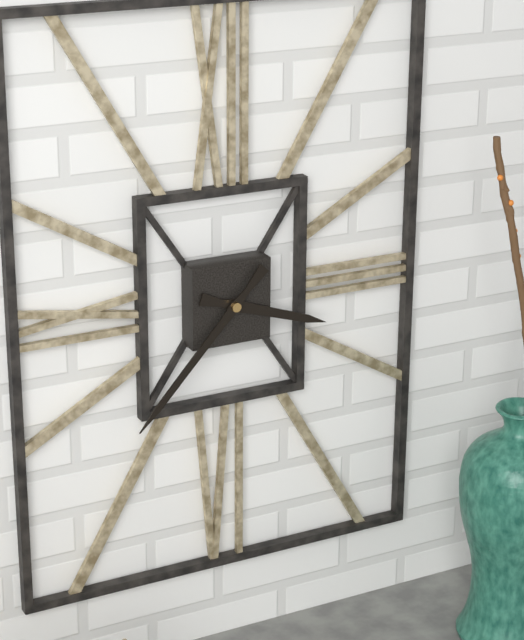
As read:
3 h 37 min
